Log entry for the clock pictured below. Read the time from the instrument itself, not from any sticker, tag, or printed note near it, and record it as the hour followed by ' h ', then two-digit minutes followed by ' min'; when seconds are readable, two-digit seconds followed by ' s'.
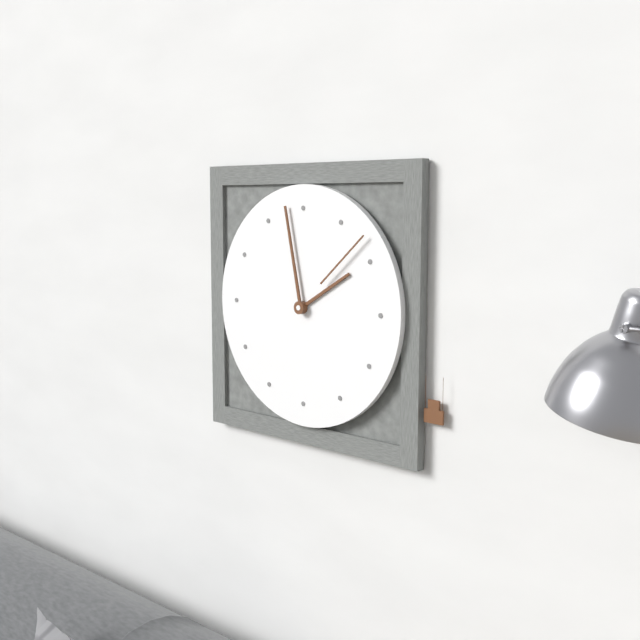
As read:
1 h 58 min 08 s
